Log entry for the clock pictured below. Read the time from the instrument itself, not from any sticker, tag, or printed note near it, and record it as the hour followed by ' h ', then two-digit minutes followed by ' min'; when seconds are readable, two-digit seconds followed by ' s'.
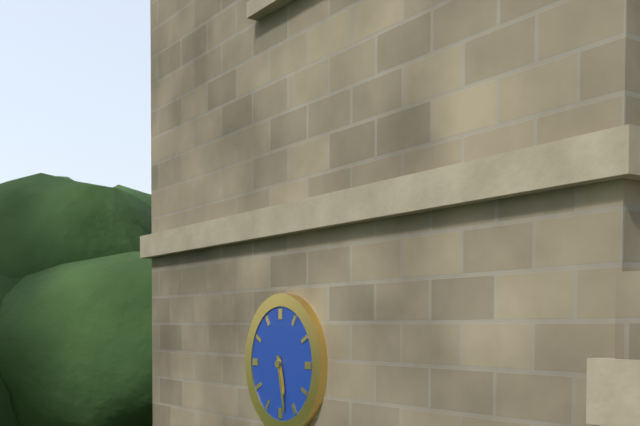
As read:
5 h 28 min
